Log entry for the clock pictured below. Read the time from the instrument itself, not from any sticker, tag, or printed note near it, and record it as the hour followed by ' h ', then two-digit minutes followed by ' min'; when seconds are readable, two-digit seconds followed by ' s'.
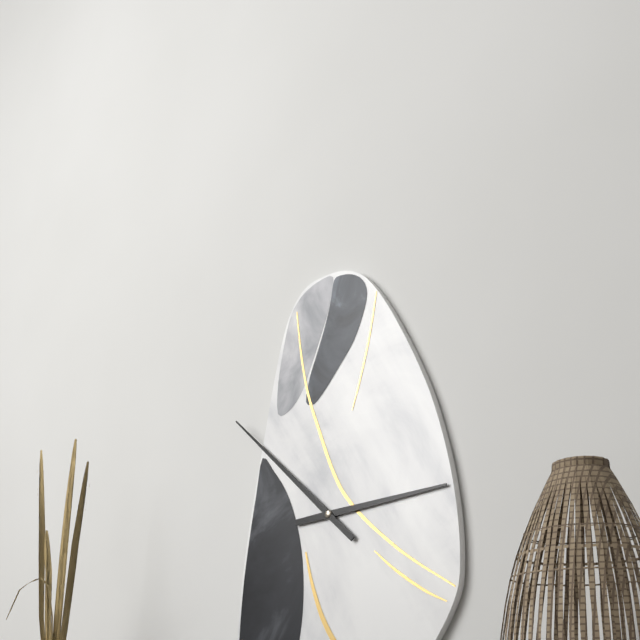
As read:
2 h 52 min
